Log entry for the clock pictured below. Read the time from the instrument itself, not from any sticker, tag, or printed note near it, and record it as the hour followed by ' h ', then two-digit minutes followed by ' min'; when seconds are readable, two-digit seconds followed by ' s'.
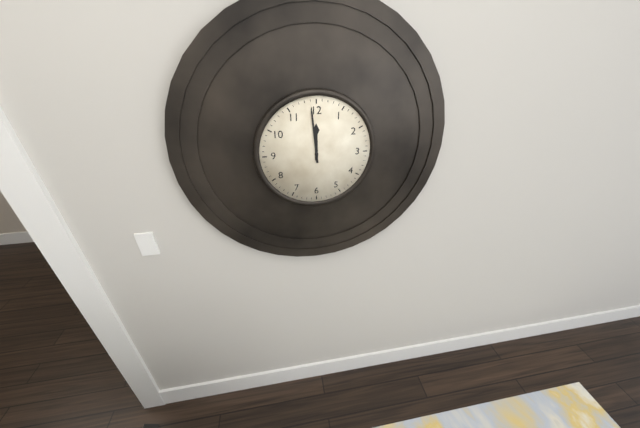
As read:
11 h 59 min
